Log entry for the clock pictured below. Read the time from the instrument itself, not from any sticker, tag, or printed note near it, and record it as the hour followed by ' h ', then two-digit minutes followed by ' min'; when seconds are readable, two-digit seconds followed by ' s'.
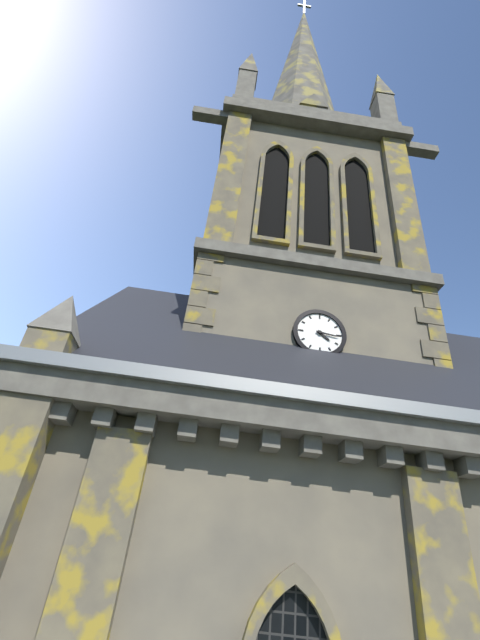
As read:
4 h 16 min
